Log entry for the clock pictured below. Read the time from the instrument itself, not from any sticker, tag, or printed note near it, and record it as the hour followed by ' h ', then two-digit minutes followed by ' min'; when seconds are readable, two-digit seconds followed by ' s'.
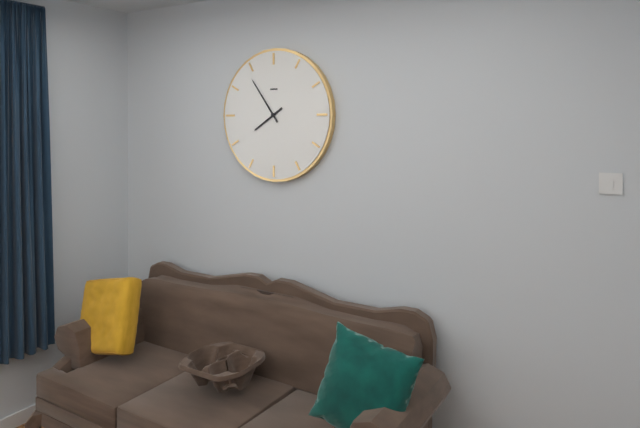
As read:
7 h 54 min
